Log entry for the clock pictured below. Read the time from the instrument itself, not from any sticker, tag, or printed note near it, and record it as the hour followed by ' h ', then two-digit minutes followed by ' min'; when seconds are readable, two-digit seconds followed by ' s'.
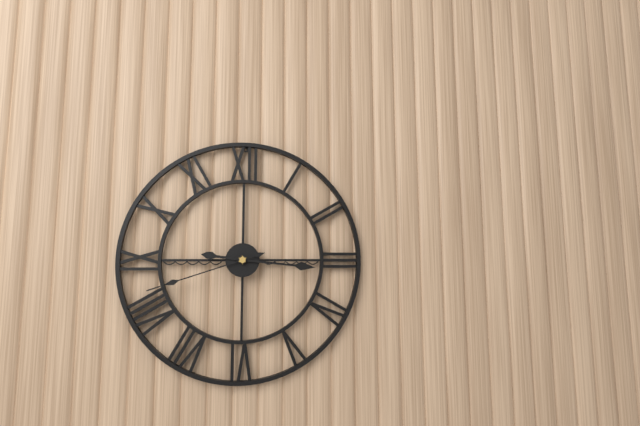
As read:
9 h 16 min 42 s
